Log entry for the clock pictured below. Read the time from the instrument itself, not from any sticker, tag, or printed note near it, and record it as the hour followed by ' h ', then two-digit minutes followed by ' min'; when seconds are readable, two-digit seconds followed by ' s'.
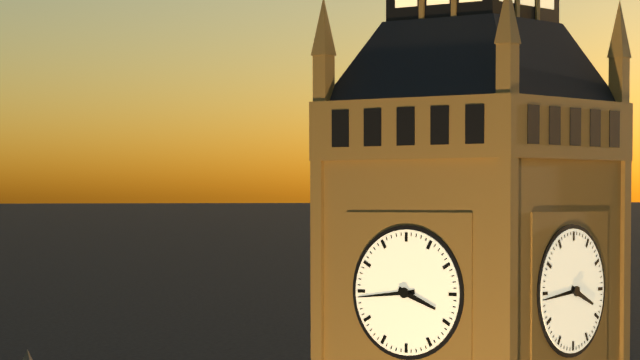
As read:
3 h 44 min
